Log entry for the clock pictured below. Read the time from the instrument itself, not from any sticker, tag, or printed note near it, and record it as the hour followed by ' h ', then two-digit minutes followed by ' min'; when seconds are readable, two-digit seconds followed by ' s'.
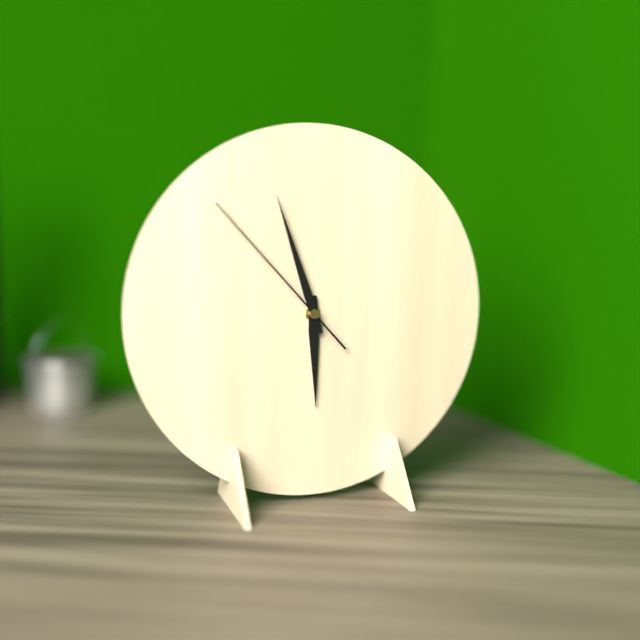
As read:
5 h 57 min 53 s
